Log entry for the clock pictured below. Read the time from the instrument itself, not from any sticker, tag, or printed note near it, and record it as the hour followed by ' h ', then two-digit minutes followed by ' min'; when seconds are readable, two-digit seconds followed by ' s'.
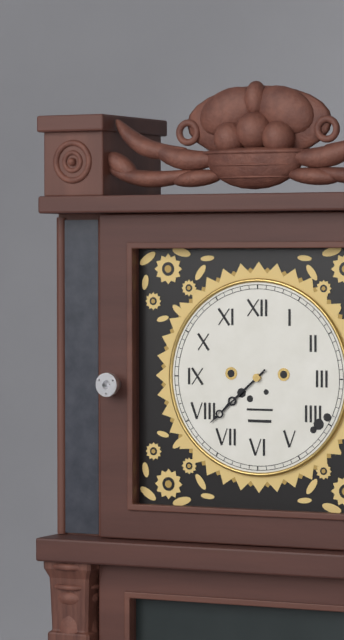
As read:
7 h 38 min
